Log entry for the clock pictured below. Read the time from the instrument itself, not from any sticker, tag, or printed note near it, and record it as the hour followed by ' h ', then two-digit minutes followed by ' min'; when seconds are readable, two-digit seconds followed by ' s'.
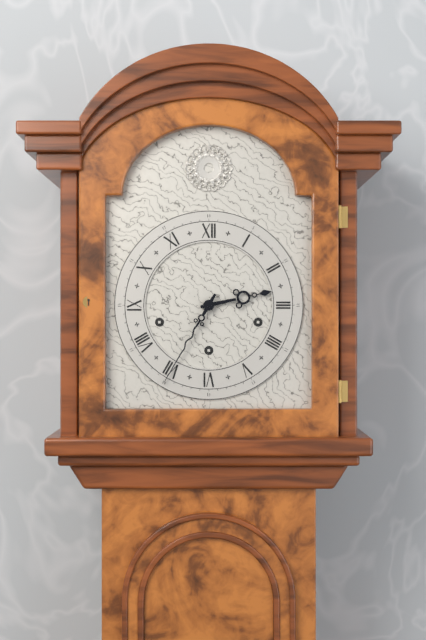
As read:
2 h 35 min
